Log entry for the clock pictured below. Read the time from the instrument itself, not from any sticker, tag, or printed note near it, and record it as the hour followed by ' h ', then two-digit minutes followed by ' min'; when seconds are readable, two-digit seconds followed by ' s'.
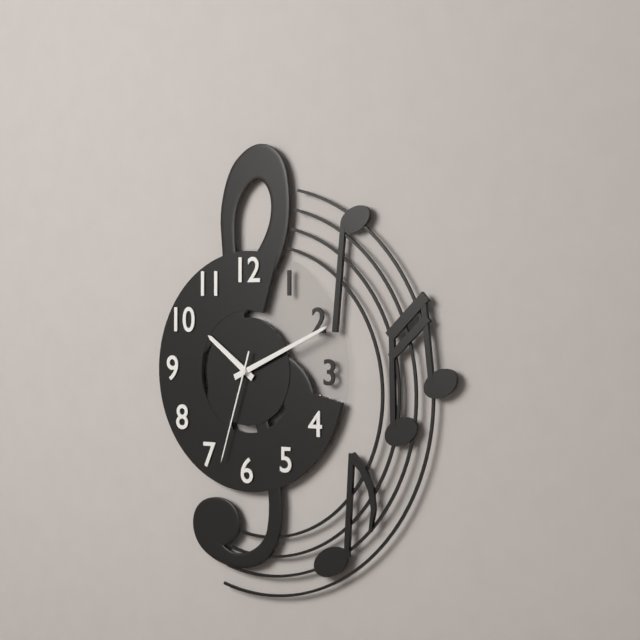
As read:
10 h 11 min 33 s
